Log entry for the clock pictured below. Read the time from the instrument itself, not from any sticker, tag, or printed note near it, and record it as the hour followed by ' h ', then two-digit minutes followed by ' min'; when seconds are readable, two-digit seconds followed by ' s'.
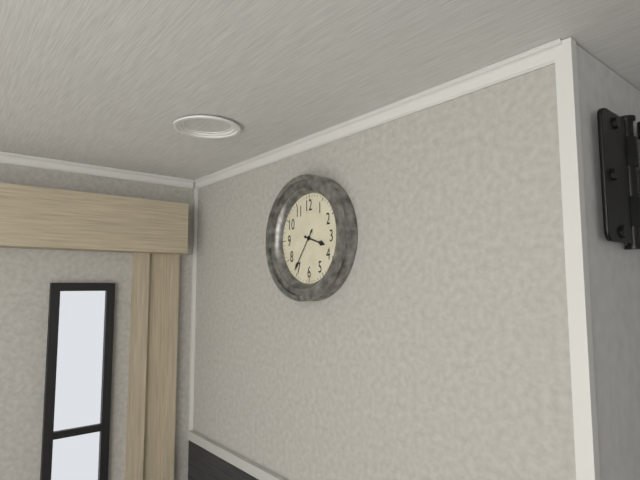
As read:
3 h 36 min
